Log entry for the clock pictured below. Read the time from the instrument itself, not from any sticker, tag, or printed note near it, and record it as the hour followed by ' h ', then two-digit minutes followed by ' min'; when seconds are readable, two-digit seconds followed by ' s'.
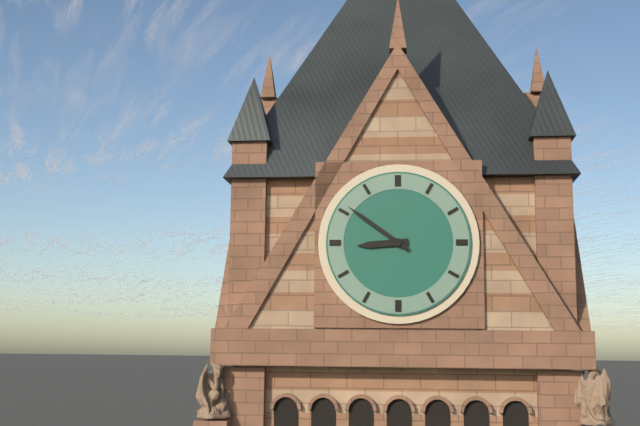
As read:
8 h 51 min
